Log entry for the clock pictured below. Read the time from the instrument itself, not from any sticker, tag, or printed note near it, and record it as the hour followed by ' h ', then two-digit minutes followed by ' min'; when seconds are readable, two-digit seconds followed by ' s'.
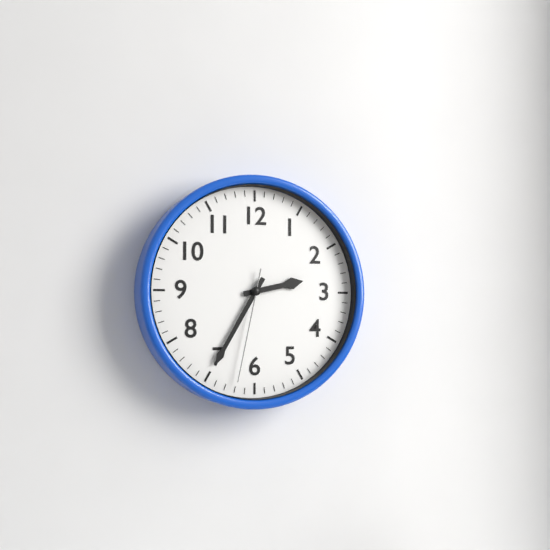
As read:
2 h 35 min 32 s
